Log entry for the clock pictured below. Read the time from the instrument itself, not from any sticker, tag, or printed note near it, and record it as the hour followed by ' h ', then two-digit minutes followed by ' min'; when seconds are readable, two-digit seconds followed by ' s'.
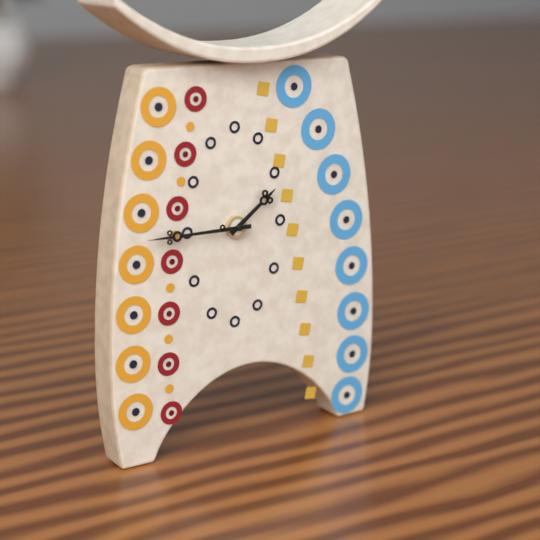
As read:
1 h 45 min
